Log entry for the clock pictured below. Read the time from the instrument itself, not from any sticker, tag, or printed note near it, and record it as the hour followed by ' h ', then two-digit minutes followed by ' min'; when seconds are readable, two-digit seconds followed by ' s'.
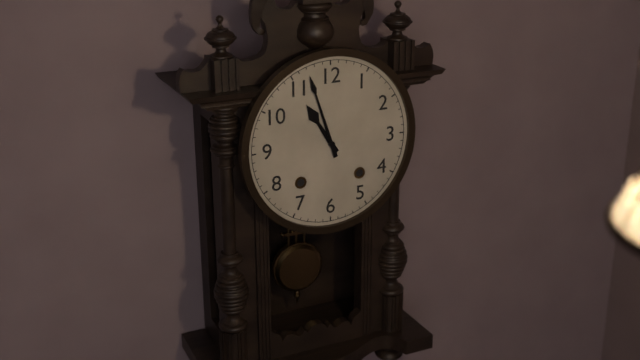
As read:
10 h 57 min
